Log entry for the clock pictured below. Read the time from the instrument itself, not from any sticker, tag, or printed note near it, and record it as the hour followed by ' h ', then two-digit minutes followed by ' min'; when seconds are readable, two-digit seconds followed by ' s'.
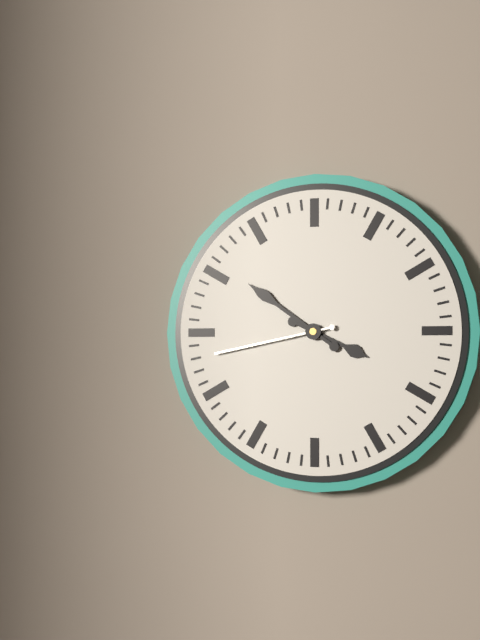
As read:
3 h 51 min 43 s
